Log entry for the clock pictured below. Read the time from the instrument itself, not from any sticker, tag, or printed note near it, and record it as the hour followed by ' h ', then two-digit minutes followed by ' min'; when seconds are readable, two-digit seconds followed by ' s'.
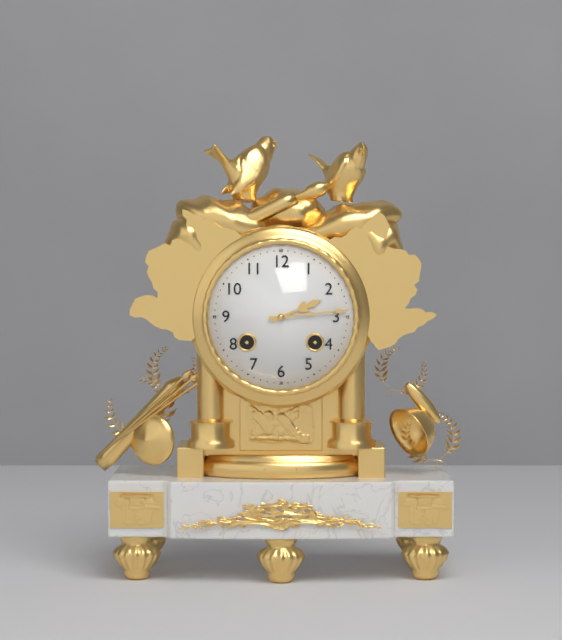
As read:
2 h 14 min
